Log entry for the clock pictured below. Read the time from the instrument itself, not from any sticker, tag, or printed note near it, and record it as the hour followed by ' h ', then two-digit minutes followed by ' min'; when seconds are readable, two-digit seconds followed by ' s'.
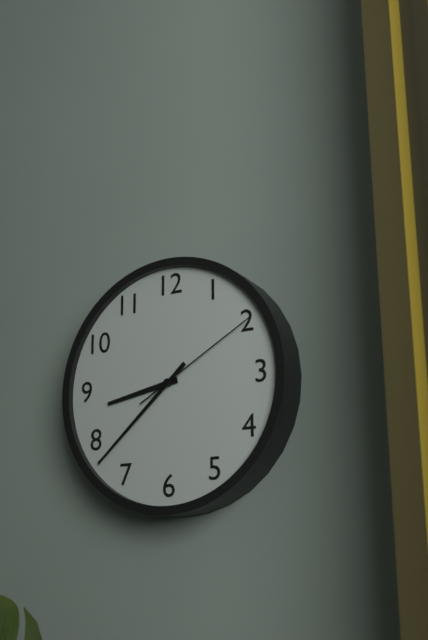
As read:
8 h 38 min 10 s
